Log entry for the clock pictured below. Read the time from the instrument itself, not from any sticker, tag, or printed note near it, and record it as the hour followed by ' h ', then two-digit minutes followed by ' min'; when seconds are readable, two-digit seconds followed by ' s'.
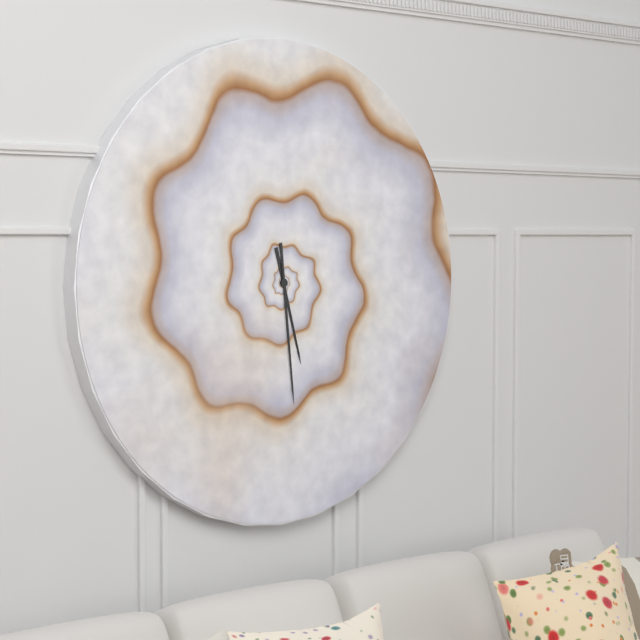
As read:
5 h 29 min
